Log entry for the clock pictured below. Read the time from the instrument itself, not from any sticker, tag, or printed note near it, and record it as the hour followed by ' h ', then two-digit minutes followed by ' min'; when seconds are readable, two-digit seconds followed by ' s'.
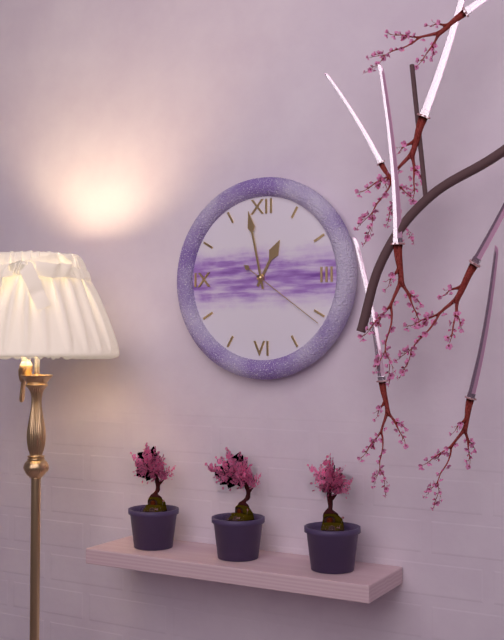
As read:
12 h 58 min 21 s
